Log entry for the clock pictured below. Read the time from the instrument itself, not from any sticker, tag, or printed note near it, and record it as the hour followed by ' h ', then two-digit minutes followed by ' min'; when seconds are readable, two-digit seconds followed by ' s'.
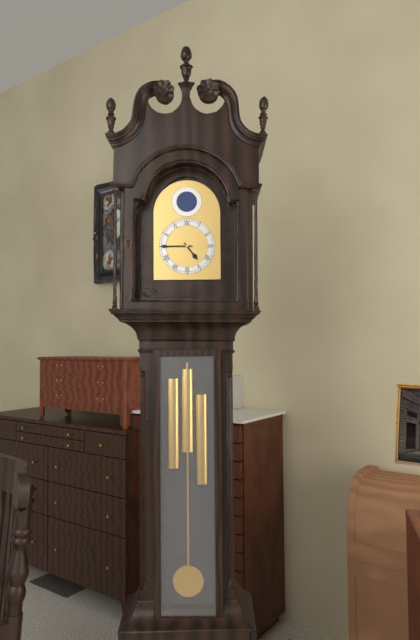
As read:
4 h 45 min
